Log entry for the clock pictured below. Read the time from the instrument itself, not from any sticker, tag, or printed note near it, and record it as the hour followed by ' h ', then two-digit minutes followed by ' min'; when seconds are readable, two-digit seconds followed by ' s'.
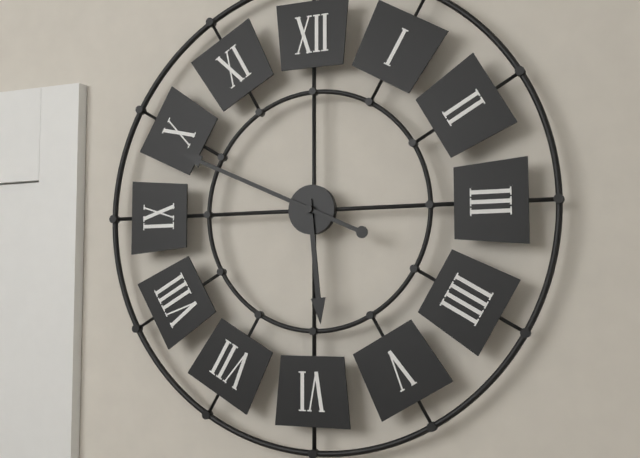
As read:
5 h 49 min
